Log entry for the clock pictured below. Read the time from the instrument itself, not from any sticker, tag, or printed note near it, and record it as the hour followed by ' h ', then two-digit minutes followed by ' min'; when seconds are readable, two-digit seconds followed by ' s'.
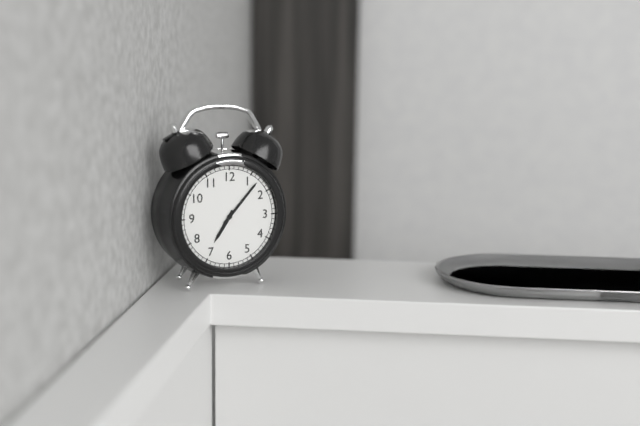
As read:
7 h 07 min
